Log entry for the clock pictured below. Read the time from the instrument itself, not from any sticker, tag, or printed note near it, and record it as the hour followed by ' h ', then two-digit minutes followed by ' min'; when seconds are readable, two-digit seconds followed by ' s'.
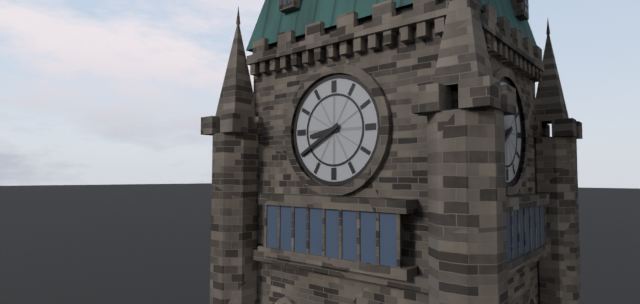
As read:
8 h 40 min
